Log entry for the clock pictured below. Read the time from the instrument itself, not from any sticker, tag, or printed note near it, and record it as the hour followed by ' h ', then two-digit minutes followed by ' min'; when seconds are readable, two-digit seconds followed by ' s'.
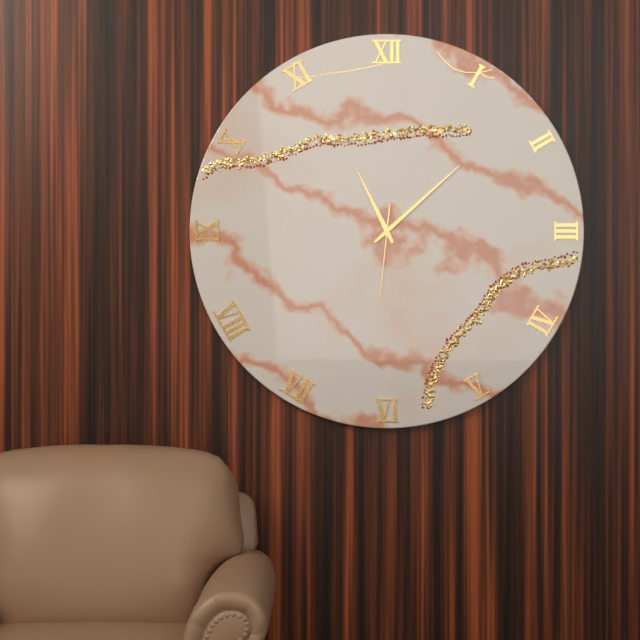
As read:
11 h 08 min 31 s
